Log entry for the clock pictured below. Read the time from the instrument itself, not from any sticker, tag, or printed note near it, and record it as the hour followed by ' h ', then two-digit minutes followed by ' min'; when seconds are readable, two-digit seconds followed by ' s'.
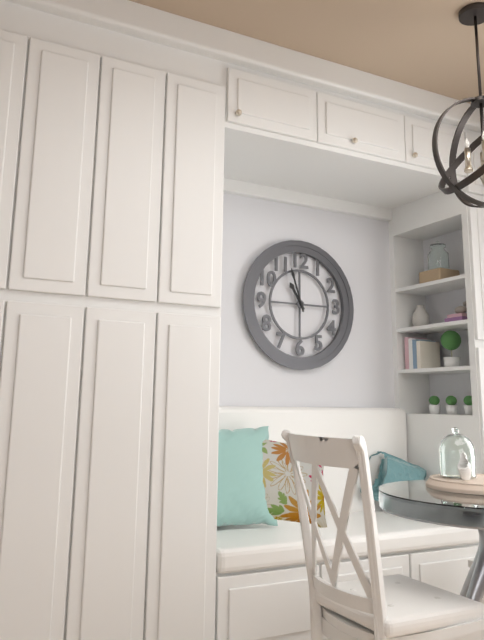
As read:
10 h 57 min
